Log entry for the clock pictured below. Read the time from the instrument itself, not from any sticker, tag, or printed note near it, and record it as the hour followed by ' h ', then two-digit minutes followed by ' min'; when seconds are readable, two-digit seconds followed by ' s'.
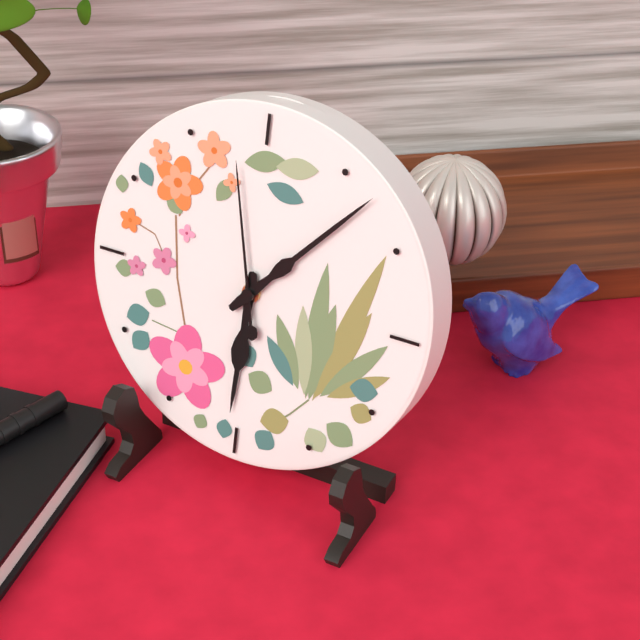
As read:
6 h 07 min 58 s
